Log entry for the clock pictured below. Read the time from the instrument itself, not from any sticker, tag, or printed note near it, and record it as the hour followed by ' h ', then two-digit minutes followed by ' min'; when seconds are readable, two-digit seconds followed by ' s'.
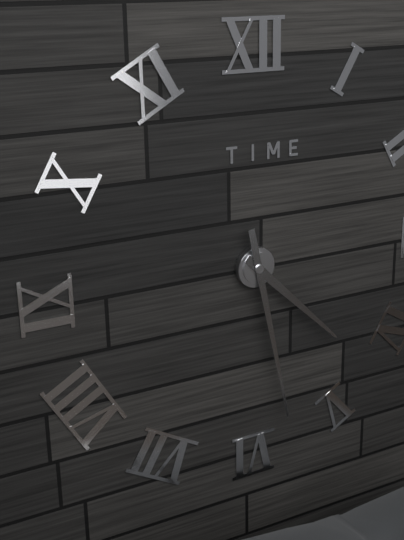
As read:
4 h 28 min
